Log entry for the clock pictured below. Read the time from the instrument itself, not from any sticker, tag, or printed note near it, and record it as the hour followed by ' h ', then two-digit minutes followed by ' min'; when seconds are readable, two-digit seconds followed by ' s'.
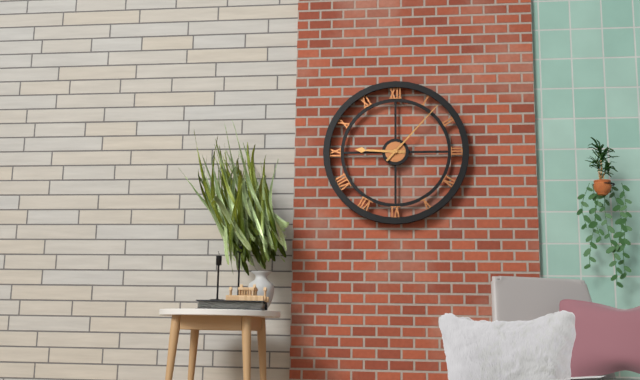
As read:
9 h 07 min
